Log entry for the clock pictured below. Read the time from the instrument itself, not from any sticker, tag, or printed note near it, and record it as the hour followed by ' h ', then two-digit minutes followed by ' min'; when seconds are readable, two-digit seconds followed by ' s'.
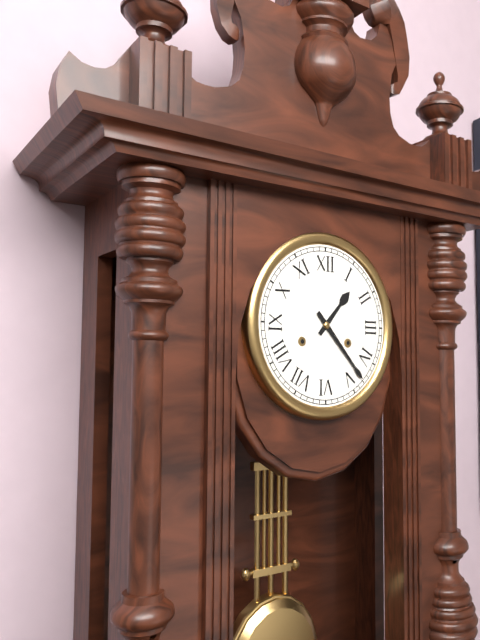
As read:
1 h 23 min
